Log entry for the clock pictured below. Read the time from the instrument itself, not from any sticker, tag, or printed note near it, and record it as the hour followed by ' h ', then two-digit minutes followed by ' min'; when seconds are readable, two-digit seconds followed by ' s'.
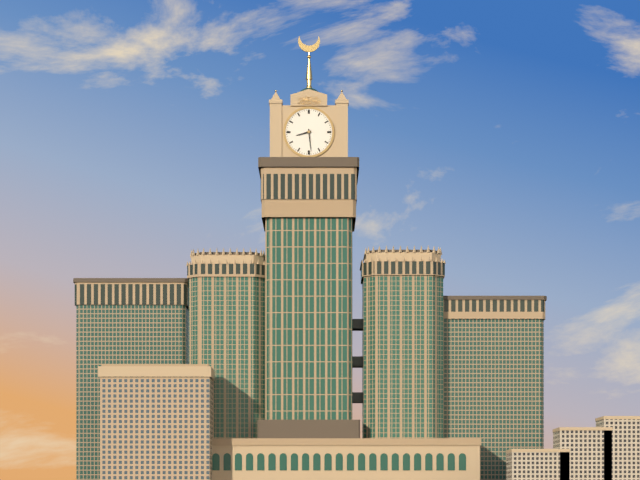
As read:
8 h 29 min
